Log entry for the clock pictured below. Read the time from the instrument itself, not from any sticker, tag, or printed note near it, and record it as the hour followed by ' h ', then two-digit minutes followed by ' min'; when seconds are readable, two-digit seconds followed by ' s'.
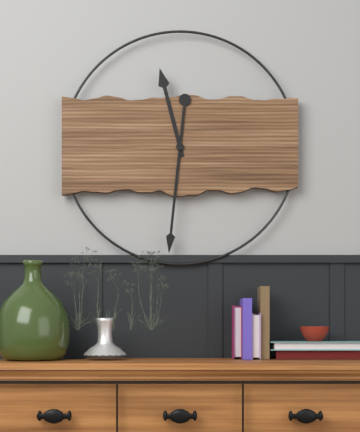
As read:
11 h 31 min
